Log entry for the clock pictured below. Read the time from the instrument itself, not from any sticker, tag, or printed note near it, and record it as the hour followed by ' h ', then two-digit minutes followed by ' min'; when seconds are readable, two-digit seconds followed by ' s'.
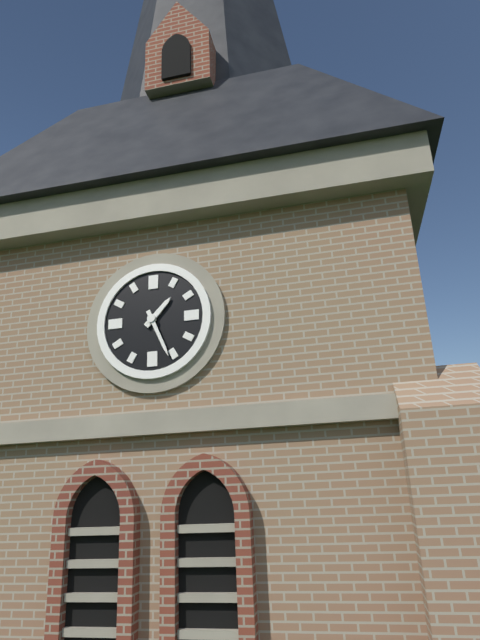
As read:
1 h 26 min
